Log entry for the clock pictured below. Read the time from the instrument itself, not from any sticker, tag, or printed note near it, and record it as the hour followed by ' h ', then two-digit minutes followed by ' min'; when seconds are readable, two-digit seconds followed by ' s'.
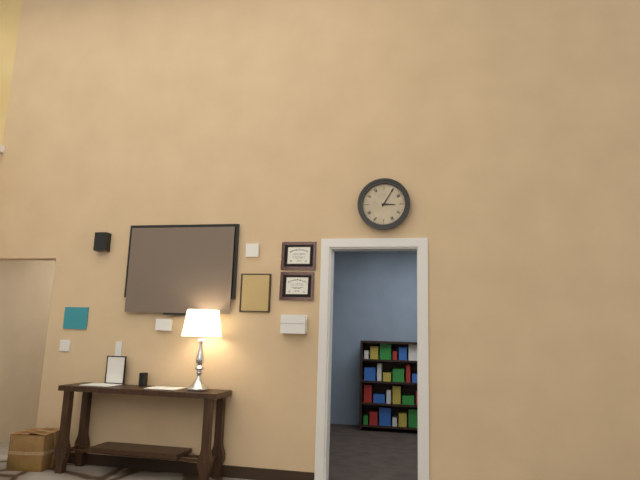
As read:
3 h 05 min
